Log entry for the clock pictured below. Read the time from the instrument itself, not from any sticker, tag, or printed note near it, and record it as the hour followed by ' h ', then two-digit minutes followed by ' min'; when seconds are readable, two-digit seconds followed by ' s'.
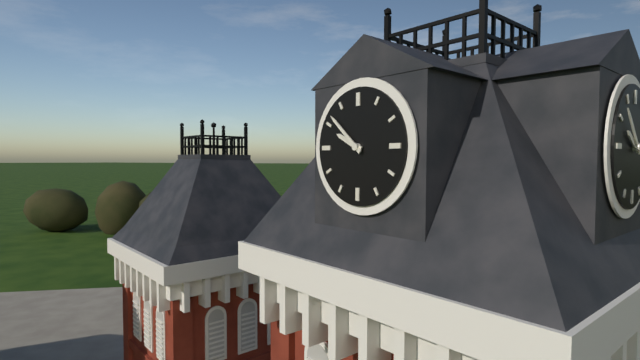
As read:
9 h 52 min
